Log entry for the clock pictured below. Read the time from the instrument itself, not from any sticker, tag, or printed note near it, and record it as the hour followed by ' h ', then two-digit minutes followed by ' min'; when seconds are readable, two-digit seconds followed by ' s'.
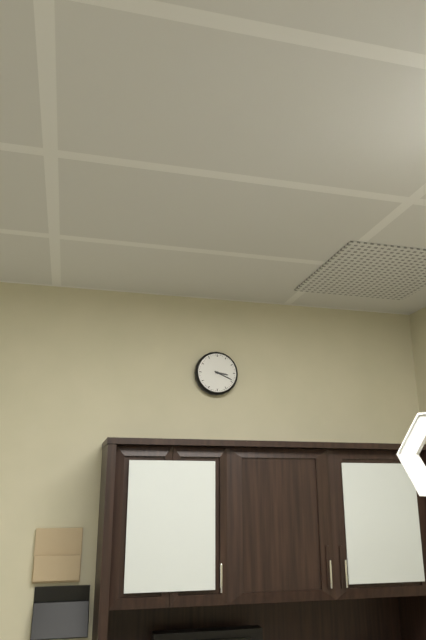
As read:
3 h 19 min
